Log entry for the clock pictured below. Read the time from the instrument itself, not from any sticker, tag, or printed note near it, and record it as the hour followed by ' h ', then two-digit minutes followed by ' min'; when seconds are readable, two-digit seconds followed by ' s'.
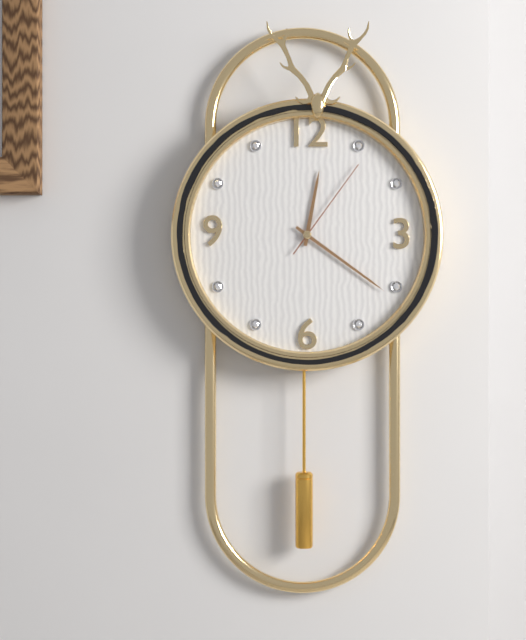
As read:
12 h 21 min 06 s
